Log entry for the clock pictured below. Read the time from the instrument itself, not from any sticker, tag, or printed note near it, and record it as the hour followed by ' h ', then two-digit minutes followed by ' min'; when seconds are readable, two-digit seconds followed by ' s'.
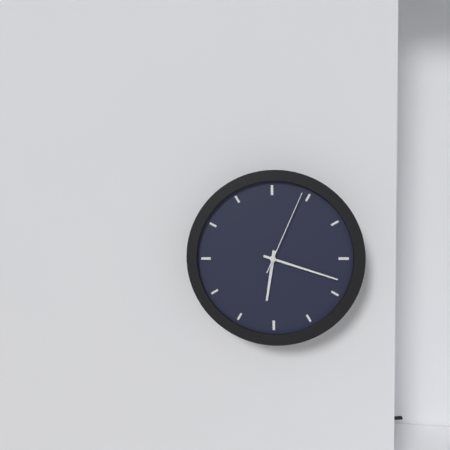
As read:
6 h 18 min 04 s
